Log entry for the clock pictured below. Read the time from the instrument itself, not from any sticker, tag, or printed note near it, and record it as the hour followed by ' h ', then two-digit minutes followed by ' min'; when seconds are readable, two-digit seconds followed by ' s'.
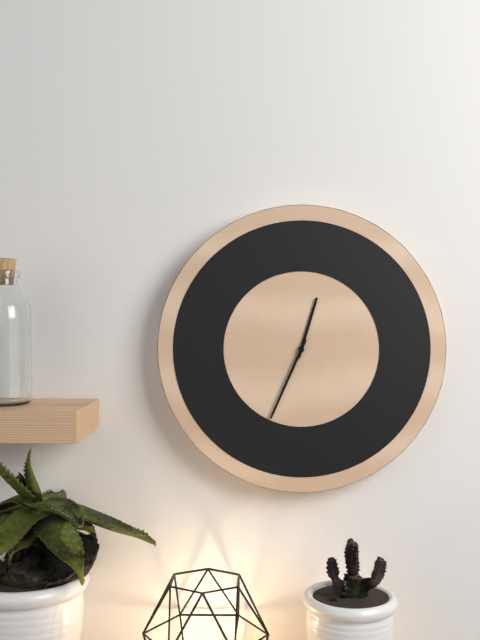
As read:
12 h 34 min
